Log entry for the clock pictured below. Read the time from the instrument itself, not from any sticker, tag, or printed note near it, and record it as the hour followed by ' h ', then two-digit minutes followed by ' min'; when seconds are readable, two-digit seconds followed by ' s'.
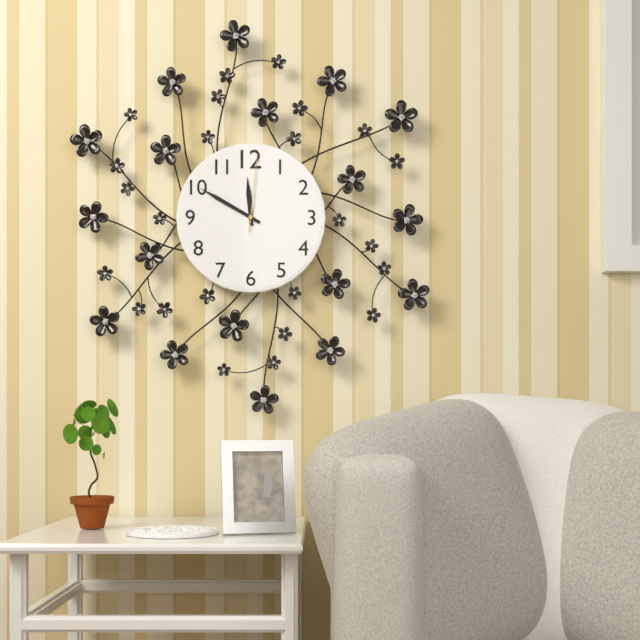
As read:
11 h 50 min 01 s
